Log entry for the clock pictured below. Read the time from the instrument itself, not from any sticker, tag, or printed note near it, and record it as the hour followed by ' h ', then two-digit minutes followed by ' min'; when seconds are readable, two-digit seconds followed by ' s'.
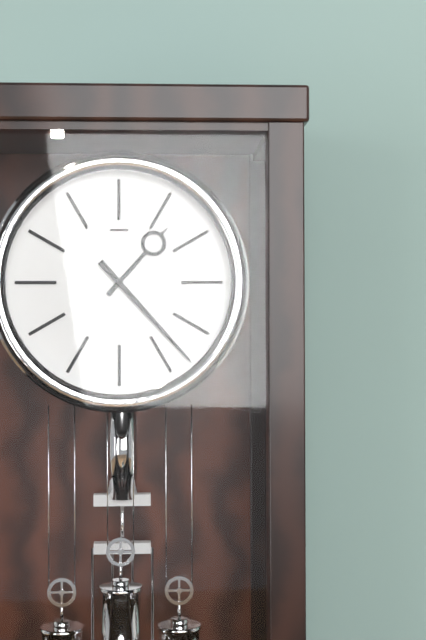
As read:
1 h 23 min
